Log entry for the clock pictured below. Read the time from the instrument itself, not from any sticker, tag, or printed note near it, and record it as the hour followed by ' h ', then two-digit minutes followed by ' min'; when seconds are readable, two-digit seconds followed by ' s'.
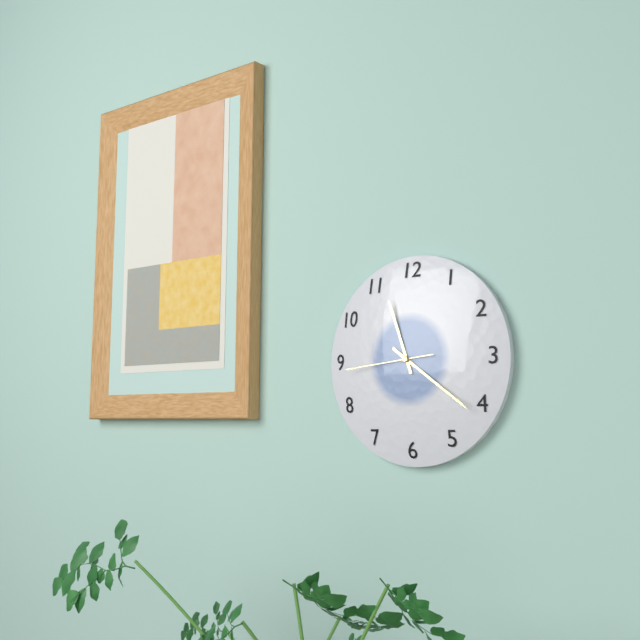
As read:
11 h 21 min 44 s
